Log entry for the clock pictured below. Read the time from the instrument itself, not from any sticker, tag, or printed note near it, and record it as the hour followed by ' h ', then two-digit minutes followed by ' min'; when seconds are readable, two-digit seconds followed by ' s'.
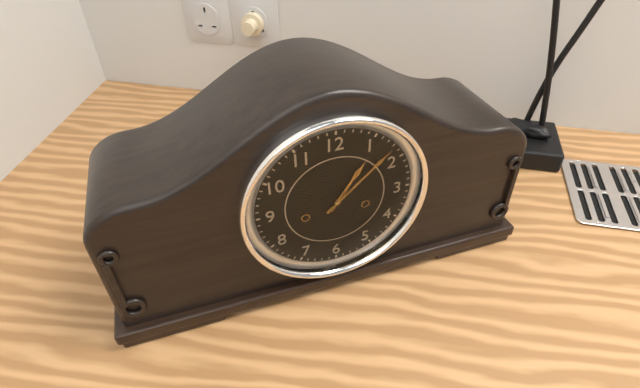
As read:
1 h 08 min
